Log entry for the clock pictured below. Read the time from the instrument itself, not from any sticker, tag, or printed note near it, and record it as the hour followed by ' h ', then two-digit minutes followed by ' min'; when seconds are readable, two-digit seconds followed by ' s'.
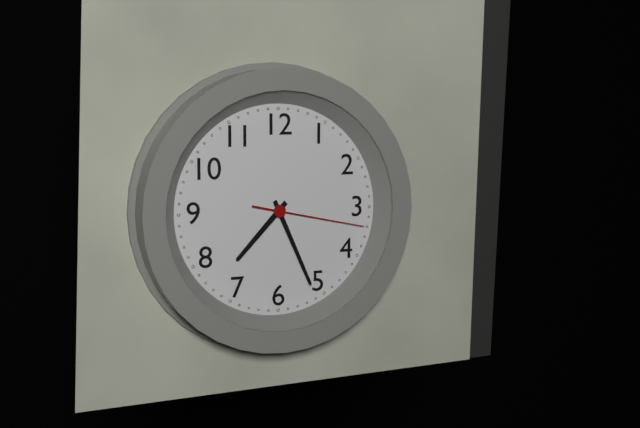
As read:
7 h 26 min 17 s
